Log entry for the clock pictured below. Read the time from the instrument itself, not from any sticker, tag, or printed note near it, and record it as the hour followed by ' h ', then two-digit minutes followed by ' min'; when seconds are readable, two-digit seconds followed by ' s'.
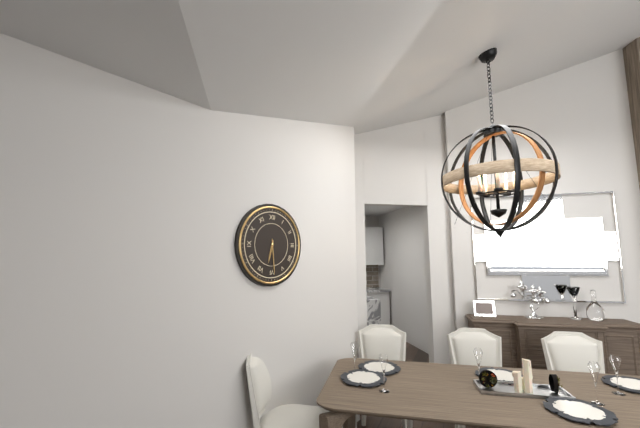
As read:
6 h 29 min
